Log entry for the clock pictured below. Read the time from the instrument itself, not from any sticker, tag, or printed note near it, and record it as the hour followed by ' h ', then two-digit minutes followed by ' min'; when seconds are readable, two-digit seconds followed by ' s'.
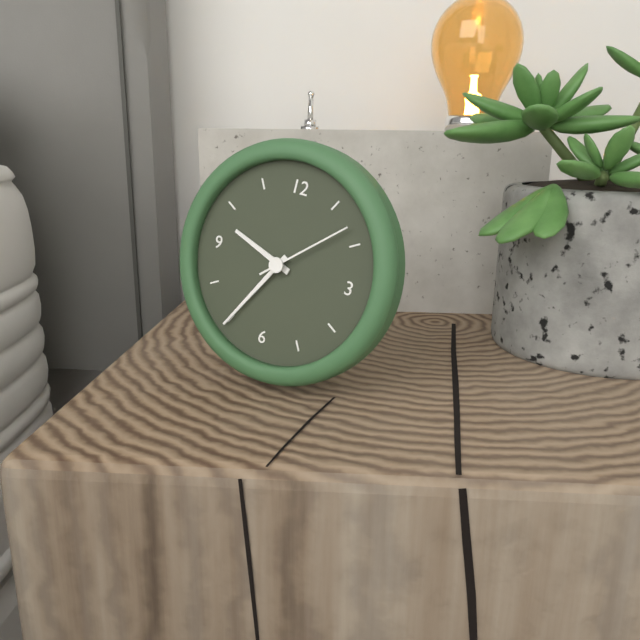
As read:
9 h 35 min 08 s
